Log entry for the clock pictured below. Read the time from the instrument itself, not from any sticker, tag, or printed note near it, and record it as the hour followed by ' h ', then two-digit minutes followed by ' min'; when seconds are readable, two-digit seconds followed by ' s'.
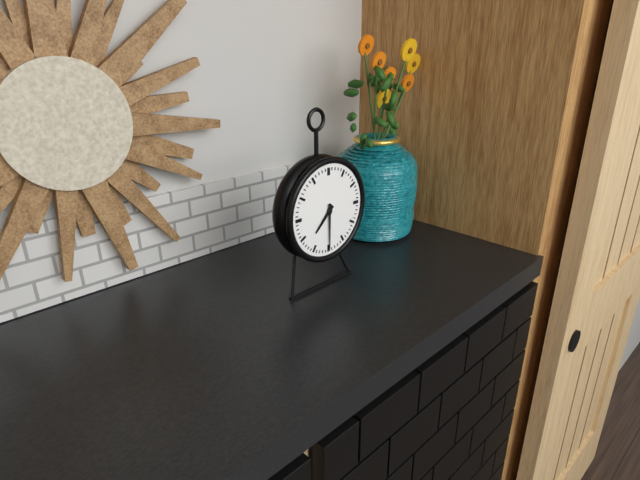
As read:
7 h 30 min
